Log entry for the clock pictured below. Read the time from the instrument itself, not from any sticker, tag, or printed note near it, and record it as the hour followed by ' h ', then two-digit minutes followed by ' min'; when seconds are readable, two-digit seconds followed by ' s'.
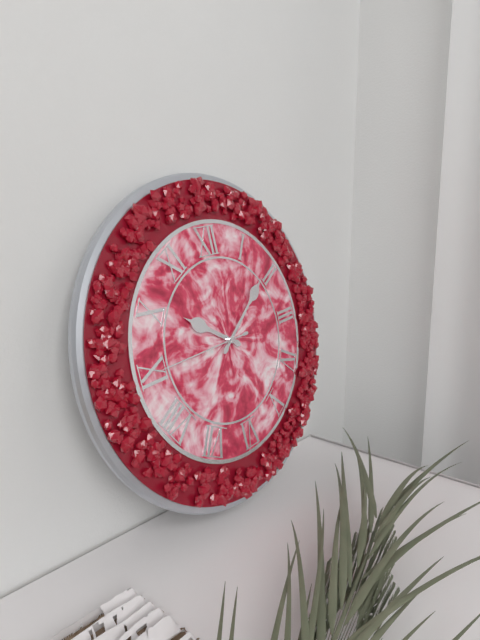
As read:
10 h 09 min 45 s
